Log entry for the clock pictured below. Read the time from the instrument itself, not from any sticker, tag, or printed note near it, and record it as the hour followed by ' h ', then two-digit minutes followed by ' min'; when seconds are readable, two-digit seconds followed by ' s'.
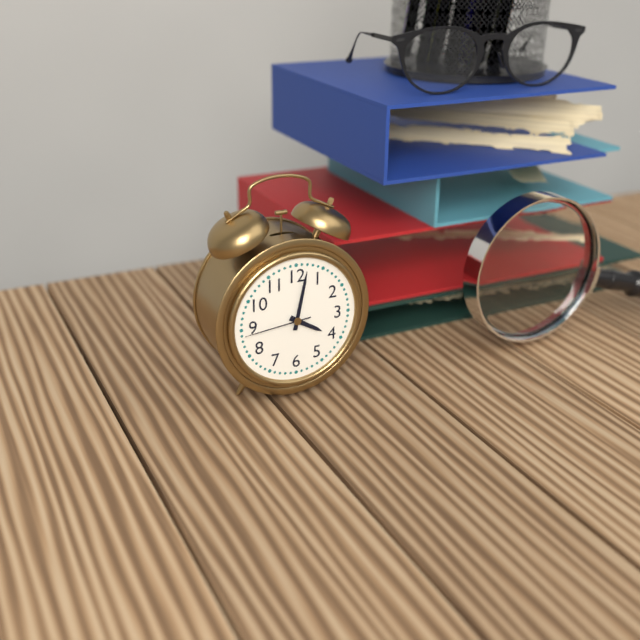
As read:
4 h 02 min 44 s
